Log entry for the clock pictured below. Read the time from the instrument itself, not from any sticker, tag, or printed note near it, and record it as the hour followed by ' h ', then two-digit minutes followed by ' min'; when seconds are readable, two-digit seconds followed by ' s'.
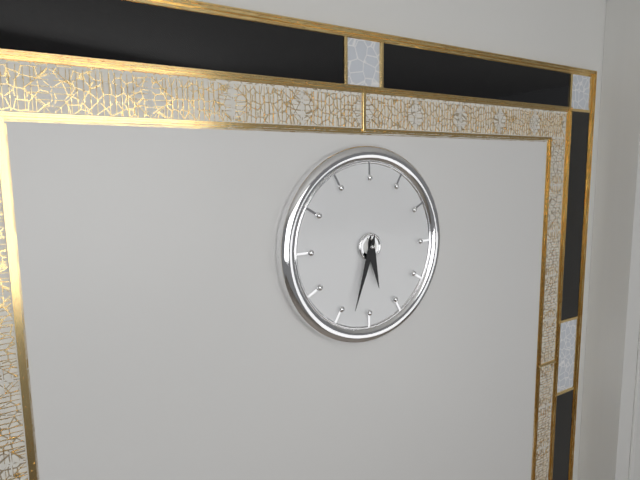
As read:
5 h 33 min
